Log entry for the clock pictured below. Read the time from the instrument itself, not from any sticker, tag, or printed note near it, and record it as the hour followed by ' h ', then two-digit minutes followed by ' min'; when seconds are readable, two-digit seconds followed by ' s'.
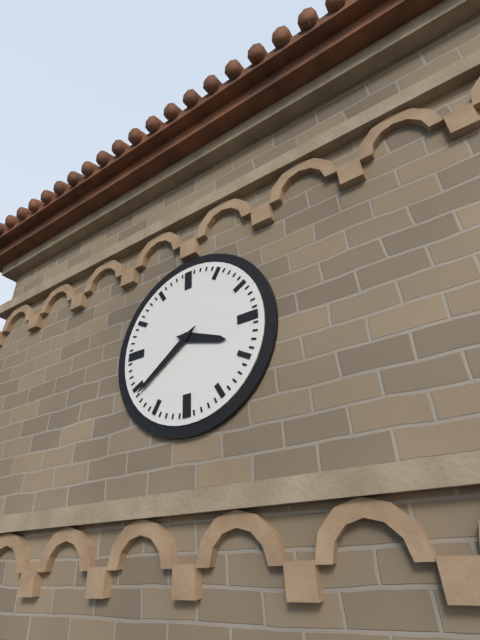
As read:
3 h 39 min
